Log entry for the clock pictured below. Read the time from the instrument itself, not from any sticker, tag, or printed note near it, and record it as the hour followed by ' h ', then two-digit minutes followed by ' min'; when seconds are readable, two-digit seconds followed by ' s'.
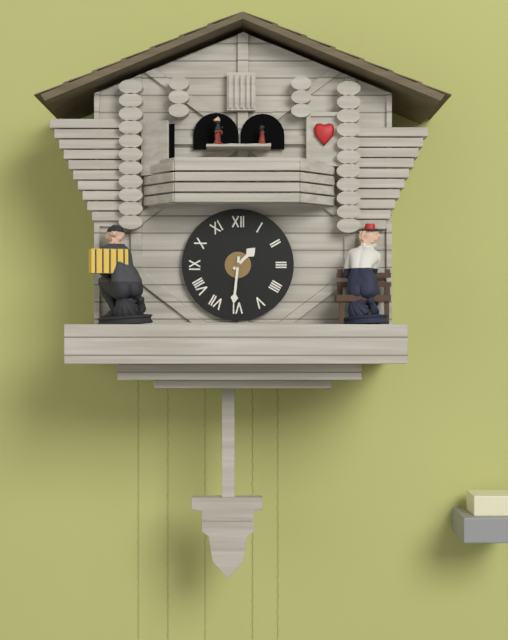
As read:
1 h 31 min
